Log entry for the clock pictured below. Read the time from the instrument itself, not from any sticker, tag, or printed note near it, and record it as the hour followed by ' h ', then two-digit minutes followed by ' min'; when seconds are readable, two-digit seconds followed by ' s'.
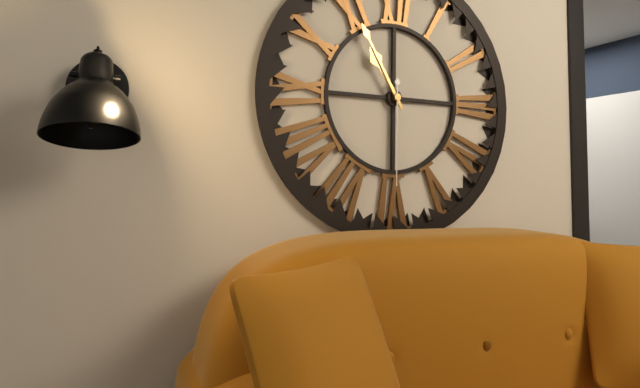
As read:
10 h 55 min 30 s
